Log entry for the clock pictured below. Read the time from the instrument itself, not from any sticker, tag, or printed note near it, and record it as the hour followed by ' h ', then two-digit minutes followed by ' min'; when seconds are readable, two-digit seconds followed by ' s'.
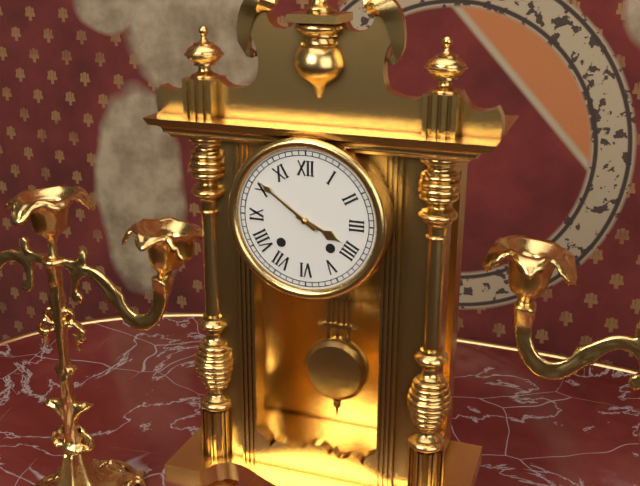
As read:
3 h 51 min
